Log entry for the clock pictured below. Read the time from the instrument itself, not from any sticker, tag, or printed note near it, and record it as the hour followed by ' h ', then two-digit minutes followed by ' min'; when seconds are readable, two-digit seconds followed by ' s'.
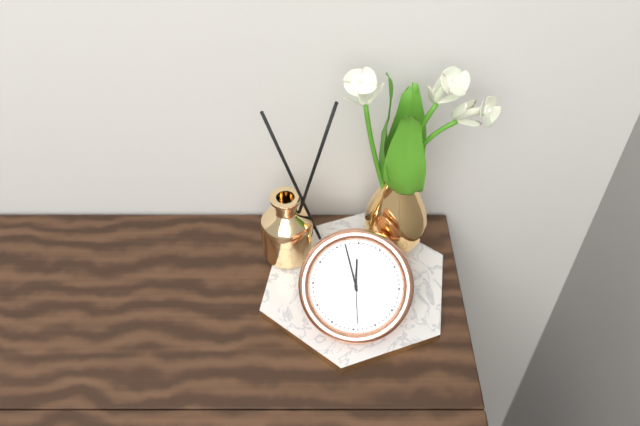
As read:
11 h 57 min
